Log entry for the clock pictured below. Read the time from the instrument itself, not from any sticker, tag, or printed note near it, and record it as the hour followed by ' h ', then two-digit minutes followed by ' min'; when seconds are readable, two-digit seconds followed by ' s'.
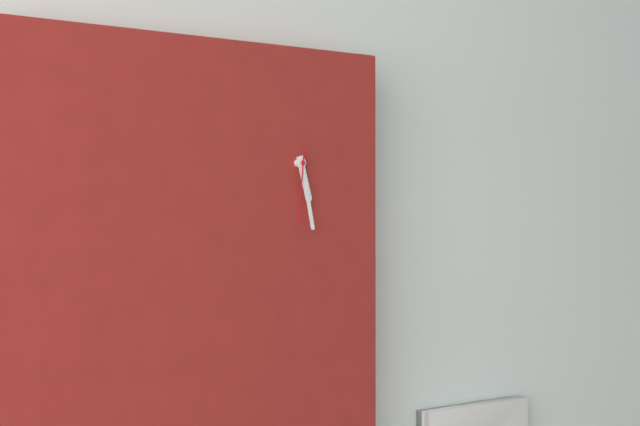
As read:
5 h 28 min 31 s
